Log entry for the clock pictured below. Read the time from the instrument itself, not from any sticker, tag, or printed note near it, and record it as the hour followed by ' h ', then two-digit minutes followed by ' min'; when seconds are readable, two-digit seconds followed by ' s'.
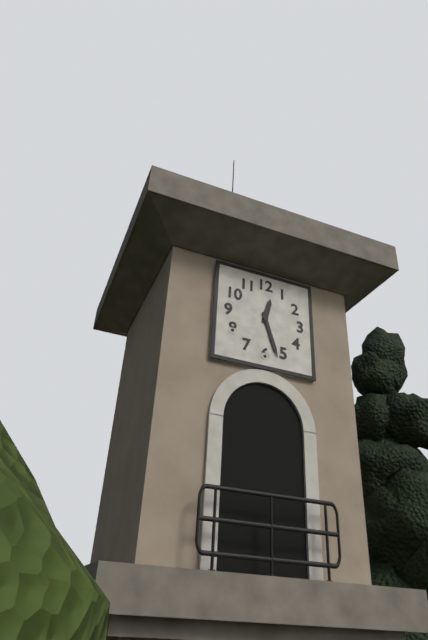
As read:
12 h 27 min
